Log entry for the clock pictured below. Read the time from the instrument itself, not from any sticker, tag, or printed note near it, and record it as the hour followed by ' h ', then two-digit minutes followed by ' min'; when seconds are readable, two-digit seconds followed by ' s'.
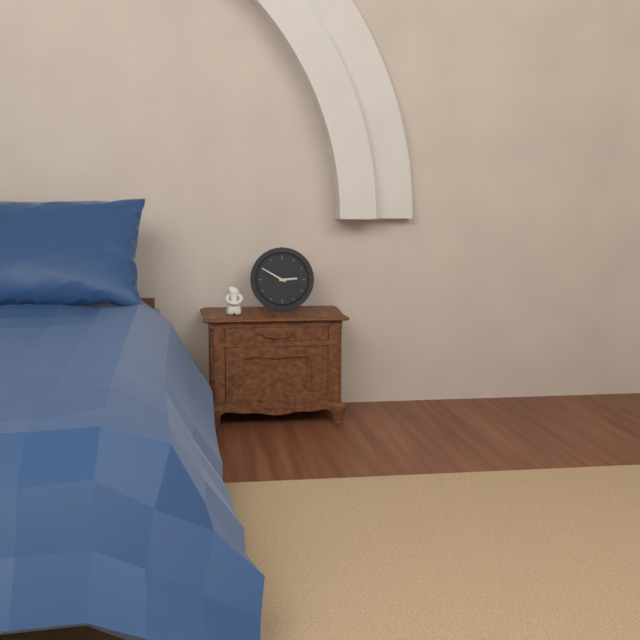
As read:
2 h 50 min
